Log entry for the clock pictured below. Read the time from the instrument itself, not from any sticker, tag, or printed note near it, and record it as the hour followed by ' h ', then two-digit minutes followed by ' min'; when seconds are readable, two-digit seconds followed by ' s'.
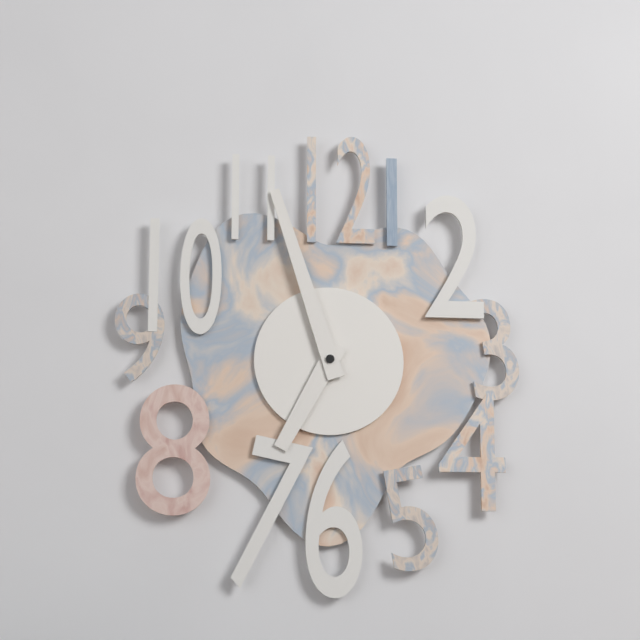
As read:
6 h 57 min
